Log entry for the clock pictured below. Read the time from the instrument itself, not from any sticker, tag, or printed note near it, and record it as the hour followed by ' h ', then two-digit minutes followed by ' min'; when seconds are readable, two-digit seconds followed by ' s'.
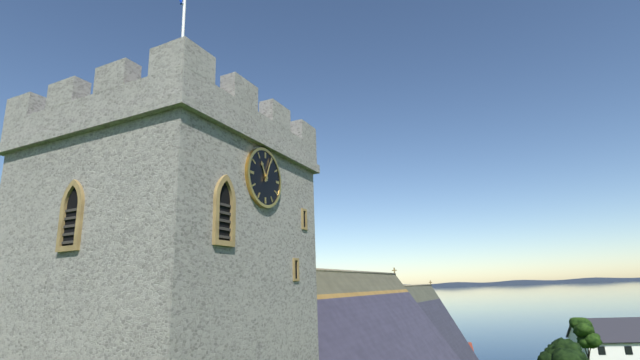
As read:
11 h 04 min
